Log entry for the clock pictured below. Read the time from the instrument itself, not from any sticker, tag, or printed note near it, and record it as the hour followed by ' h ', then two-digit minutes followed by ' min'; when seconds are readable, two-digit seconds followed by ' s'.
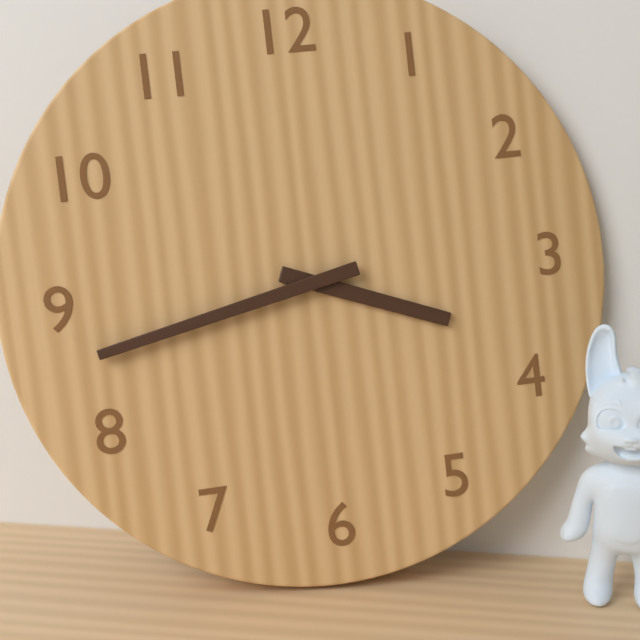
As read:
3 h 43 min
